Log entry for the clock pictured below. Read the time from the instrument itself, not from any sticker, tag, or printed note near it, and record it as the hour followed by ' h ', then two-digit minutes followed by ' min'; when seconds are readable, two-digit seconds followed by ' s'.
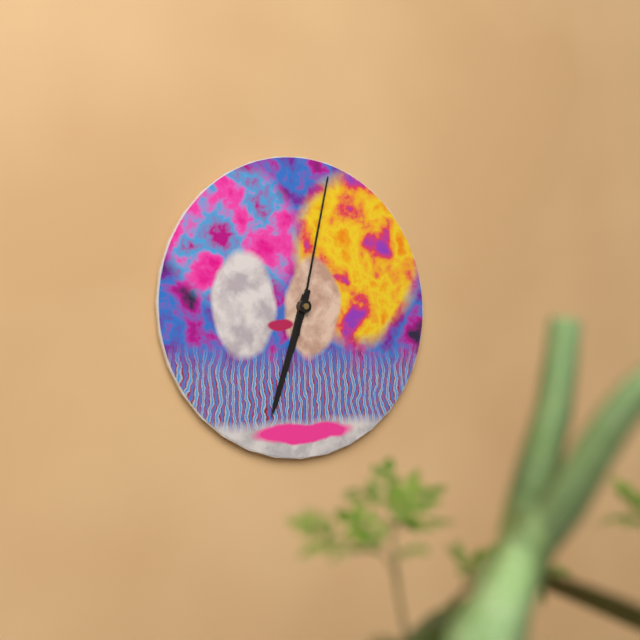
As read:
6 h 33 min 02 s
